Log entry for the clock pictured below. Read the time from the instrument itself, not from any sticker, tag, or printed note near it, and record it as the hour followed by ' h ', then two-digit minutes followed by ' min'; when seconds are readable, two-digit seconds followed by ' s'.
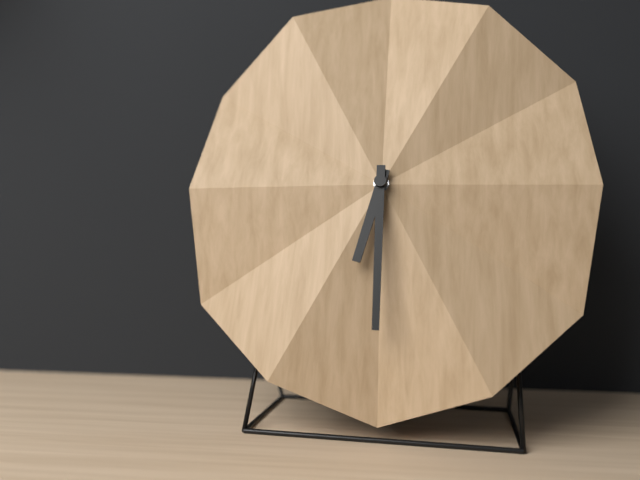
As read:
6 h 30 min
